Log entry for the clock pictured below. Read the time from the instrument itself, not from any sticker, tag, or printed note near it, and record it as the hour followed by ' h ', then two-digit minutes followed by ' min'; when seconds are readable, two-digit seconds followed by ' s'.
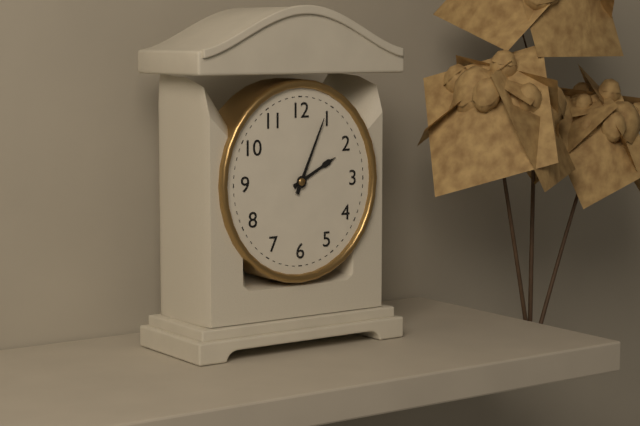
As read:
2 h 04 min
